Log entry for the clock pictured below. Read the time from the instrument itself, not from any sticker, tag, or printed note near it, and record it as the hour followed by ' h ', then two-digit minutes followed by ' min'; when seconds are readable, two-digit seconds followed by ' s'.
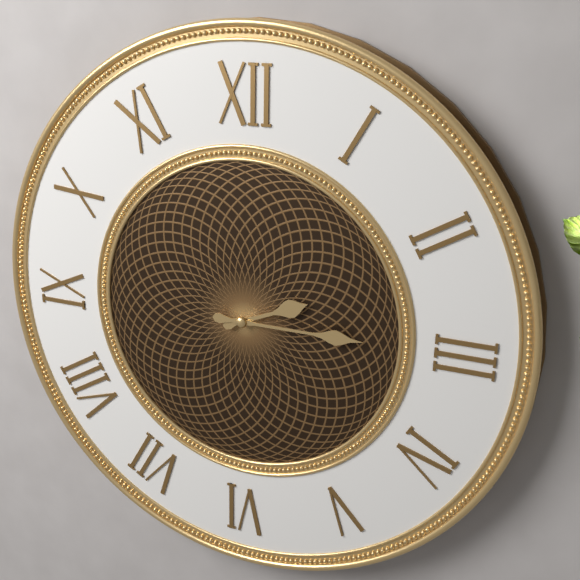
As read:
2 h 15 min
